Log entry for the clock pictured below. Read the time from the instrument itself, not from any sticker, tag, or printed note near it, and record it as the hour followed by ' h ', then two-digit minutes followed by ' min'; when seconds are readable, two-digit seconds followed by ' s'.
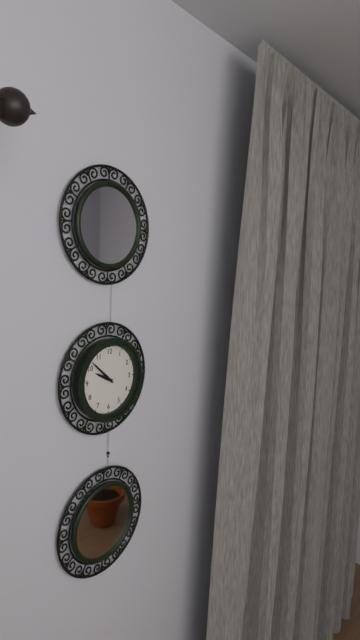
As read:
9 h 52 min
